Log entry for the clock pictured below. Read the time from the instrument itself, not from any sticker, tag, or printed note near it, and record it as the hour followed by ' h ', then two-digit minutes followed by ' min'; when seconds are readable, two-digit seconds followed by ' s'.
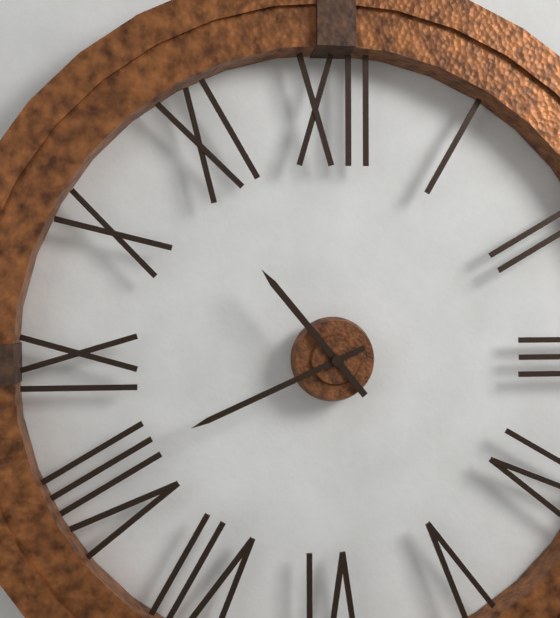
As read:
10 h 41 min
